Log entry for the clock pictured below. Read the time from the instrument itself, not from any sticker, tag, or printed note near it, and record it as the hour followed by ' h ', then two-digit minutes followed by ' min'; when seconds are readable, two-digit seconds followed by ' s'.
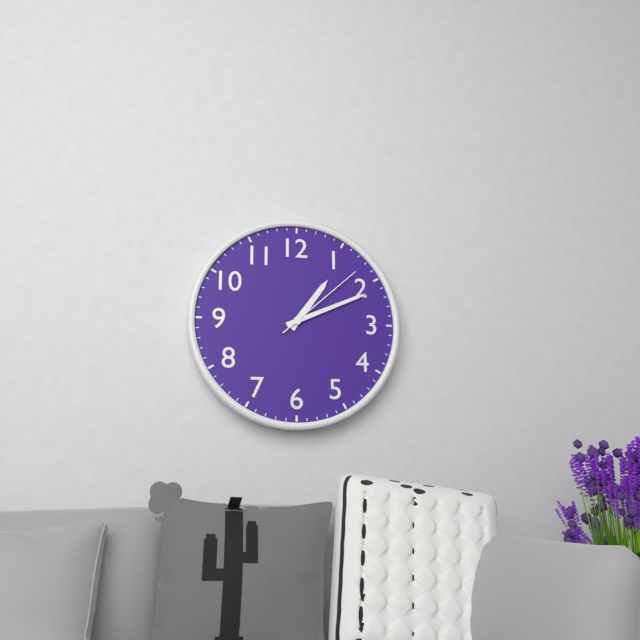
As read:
1 h 11 min 08 s
